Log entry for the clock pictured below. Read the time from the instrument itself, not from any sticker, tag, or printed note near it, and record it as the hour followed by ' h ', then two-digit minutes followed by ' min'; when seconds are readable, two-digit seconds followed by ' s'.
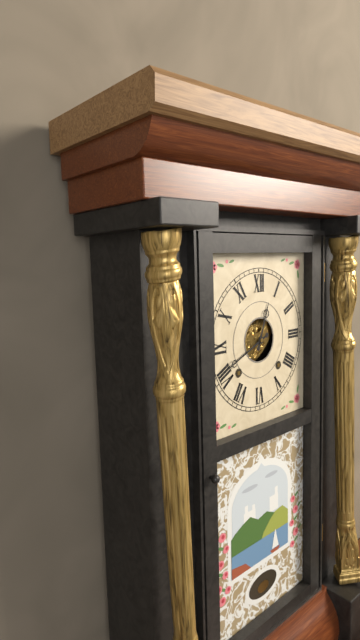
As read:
12 h 41 min
